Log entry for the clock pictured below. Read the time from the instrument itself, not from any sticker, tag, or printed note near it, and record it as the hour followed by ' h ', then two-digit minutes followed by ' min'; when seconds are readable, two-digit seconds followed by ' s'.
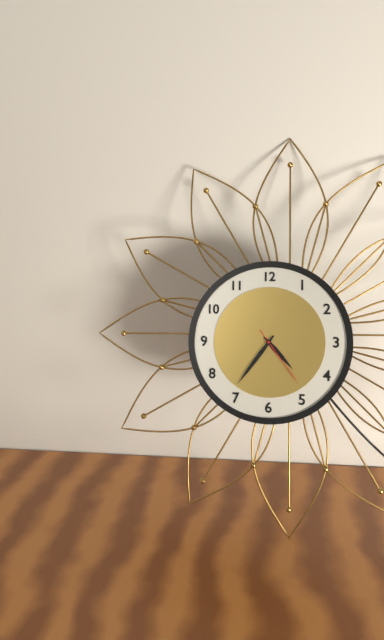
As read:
4 h 36 min 24 s
